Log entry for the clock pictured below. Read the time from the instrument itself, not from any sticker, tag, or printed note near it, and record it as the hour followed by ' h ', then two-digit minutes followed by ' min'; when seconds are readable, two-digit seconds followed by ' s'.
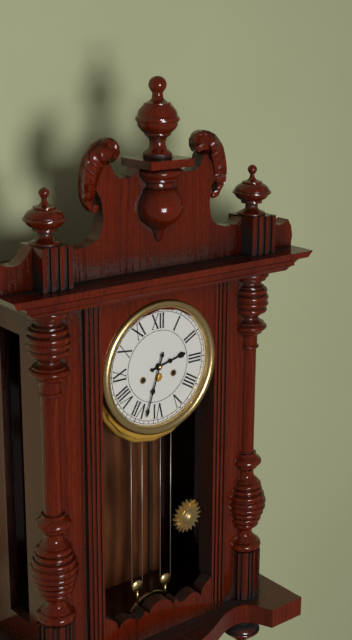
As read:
2 h 33 min
